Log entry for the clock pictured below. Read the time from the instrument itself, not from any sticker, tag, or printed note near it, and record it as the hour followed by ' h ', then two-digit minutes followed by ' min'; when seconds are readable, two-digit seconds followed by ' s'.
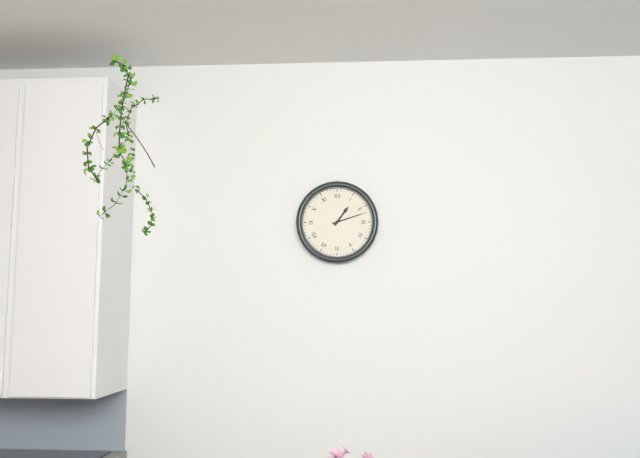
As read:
1 h 12 min
